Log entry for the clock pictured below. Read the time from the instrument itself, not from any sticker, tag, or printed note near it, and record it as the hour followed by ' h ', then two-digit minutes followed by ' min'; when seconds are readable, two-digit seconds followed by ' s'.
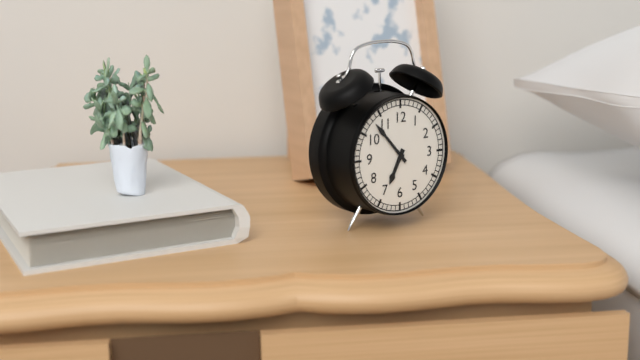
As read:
6 h 53 min
